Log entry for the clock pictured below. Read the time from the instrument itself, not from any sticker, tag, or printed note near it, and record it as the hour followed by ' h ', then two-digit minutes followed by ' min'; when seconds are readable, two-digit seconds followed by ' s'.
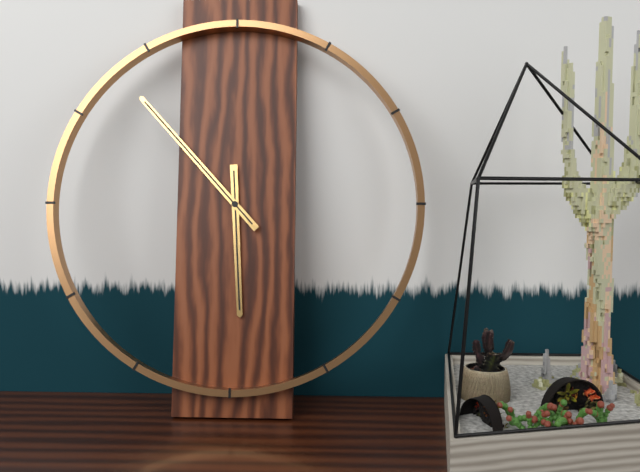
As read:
5 h 53 min
